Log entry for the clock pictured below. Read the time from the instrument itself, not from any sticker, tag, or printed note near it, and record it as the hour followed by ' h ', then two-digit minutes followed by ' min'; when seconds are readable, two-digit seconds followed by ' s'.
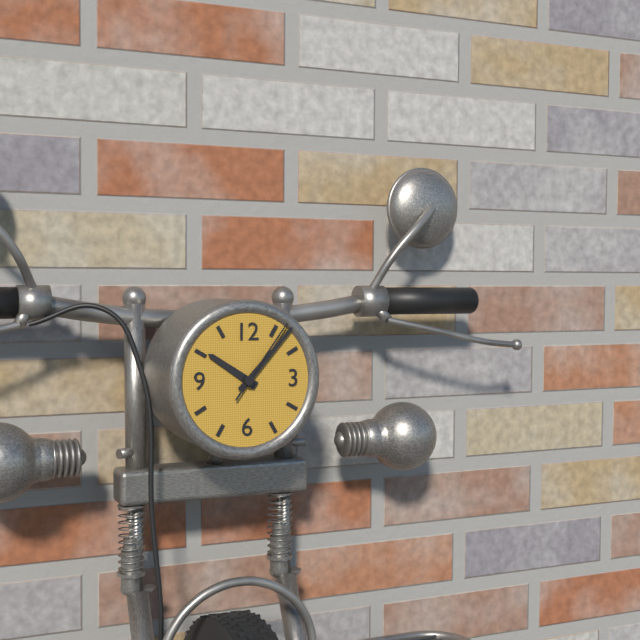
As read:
10 h 07 min 06 s
